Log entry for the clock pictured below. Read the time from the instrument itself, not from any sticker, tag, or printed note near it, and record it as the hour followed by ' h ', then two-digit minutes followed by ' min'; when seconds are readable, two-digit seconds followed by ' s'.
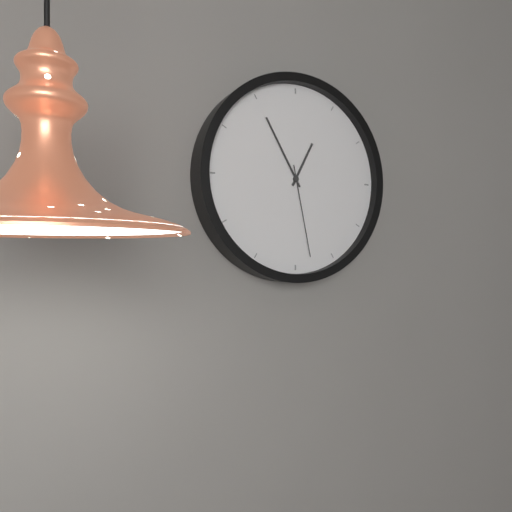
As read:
12 h 55 min 28 s
